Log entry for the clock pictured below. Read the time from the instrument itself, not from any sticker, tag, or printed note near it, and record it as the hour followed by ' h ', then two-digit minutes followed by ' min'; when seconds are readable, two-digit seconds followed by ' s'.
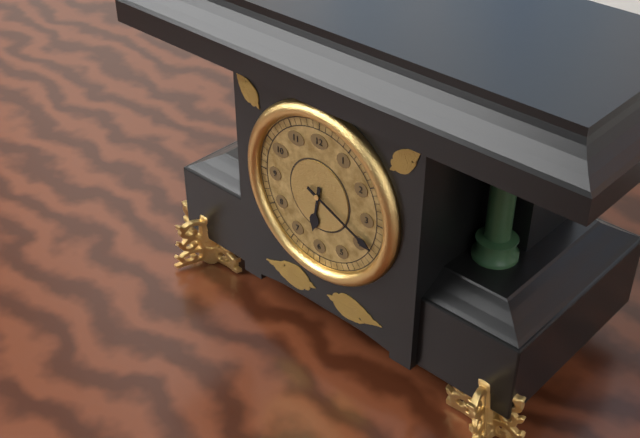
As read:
6 h 19 min
